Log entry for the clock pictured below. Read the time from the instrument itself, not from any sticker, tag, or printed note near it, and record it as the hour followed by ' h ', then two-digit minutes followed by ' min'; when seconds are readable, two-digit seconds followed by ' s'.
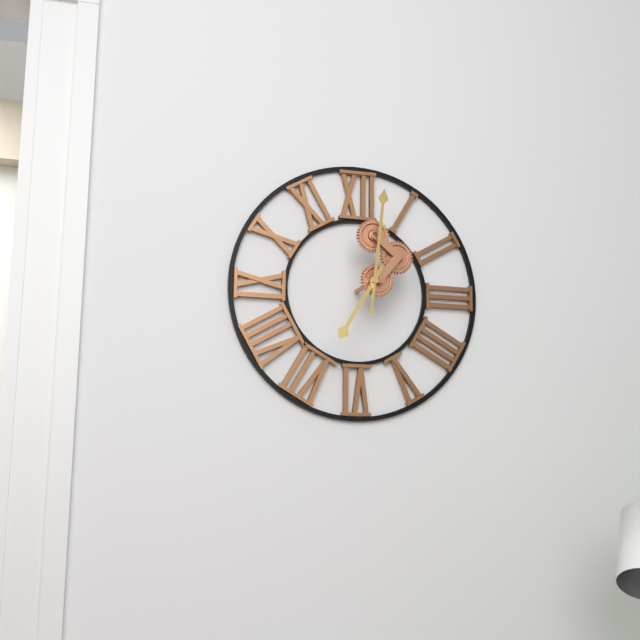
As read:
7 h 01 min
